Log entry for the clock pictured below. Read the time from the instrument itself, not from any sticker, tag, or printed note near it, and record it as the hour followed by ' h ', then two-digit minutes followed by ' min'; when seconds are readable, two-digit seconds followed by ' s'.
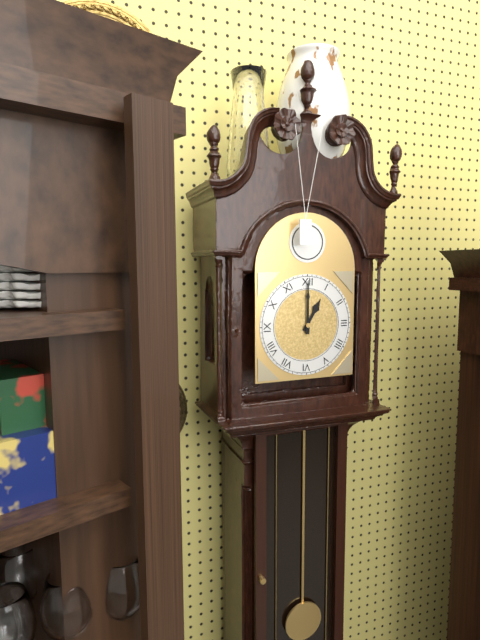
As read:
1 h 00 min
